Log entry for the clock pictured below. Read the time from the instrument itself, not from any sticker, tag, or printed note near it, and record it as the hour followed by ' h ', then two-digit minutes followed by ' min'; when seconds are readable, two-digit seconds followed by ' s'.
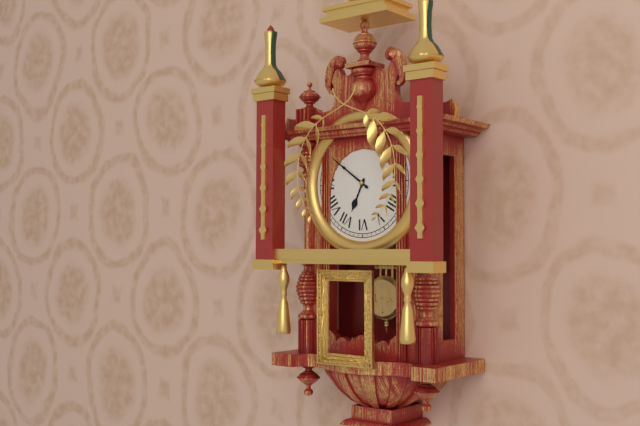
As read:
6 h 51 min
